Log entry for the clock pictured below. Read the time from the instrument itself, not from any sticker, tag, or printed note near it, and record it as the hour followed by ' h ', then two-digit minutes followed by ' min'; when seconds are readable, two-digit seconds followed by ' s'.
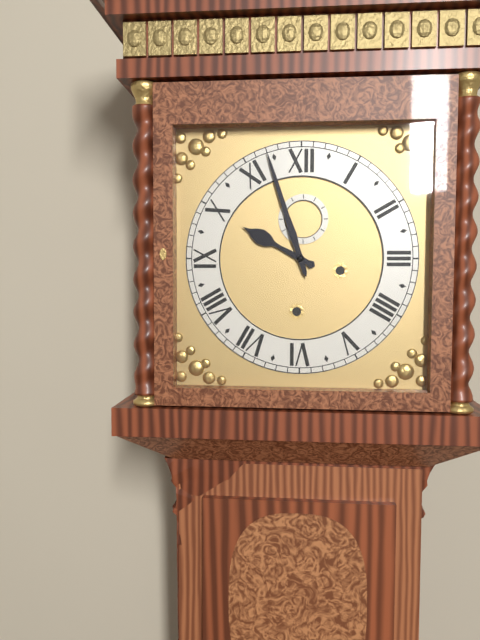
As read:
9 h 57 min
